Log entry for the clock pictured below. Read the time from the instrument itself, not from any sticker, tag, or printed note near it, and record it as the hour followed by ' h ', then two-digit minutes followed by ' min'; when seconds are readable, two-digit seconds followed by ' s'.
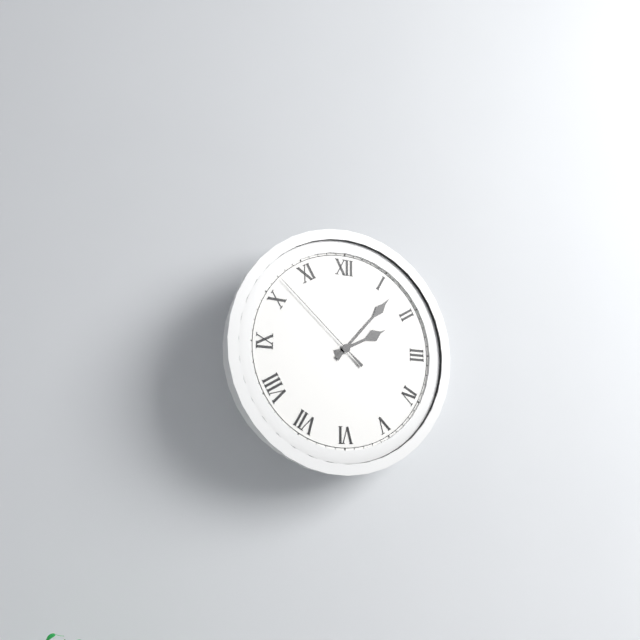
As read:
2 h 07 min 52 s
